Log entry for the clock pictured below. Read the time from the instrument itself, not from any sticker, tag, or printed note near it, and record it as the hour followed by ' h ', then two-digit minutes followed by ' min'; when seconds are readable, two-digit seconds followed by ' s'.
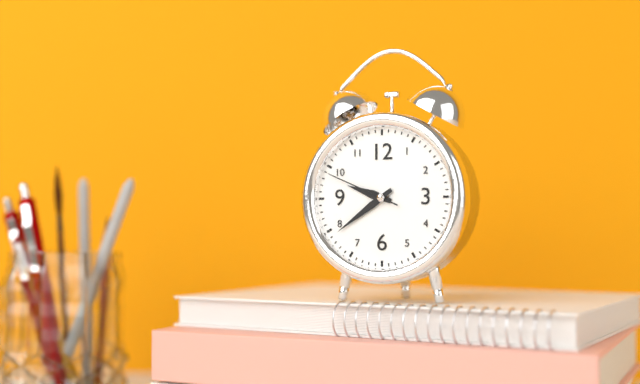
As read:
9 h 39 min 49 s
